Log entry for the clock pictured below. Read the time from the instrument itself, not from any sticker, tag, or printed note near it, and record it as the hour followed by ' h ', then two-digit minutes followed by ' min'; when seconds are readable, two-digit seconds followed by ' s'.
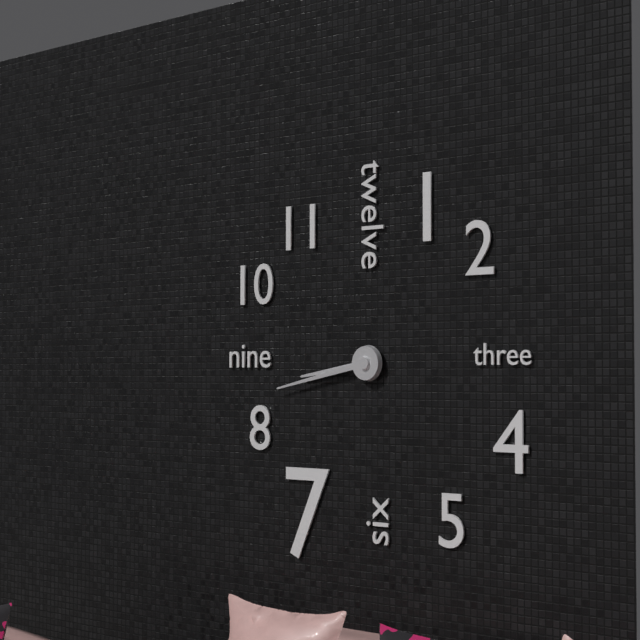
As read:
8 h 43 min
